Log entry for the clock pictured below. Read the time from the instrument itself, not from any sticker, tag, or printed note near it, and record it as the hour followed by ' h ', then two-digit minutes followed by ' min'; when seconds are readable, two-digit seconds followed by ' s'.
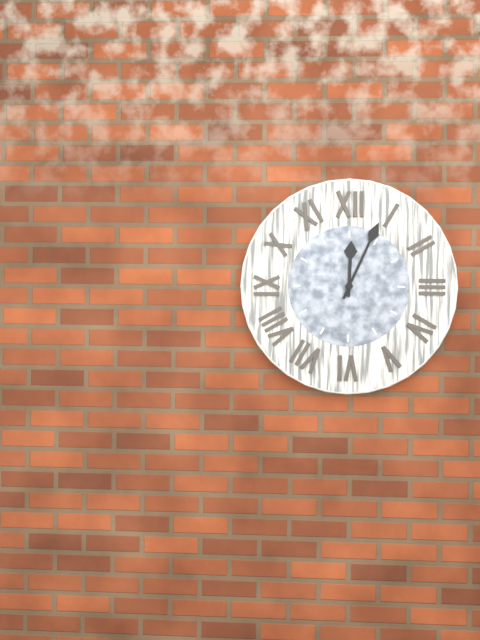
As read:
12 h 04 min
